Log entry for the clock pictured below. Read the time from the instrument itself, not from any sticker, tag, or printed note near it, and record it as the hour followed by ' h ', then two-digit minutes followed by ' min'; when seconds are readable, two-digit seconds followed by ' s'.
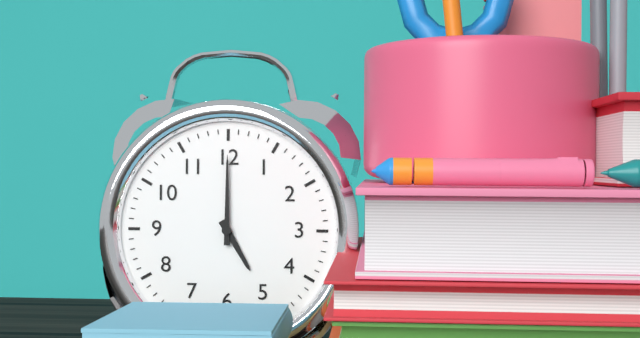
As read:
5 h 00 min
